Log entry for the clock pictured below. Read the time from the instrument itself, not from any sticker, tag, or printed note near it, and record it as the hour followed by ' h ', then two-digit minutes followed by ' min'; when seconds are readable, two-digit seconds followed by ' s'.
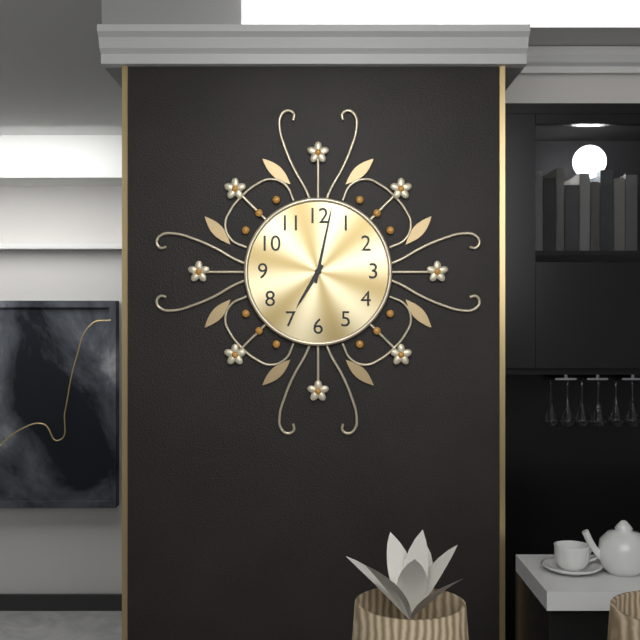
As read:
7 h 02 min
